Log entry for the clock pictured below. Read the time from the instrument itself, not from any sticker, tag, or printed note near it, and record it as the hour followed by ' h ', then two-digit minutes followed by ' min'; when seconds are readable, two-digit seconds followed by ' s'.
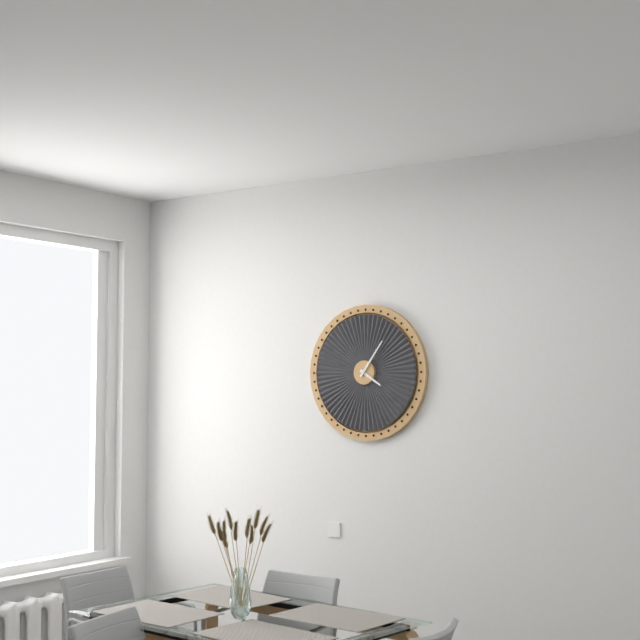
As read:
4 h 06 min
